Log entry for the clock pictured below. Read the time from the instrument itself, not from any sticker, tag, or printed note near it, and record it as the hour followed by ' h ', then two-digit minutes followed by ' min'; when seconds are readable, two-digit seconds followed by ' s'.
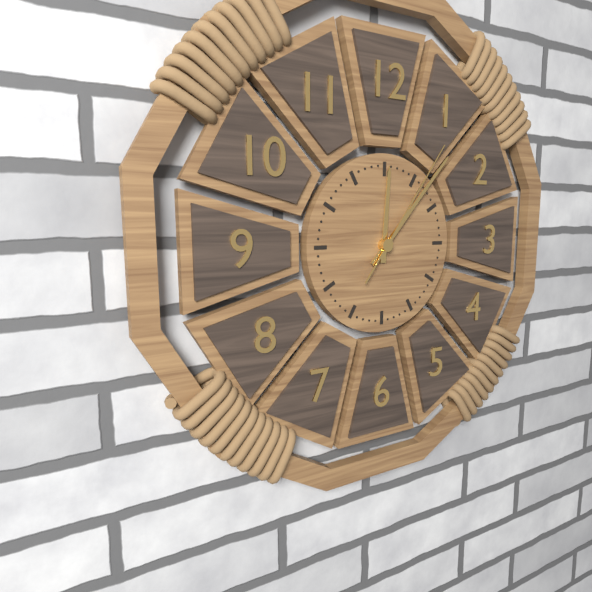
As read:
12 h 07 min 06 s
